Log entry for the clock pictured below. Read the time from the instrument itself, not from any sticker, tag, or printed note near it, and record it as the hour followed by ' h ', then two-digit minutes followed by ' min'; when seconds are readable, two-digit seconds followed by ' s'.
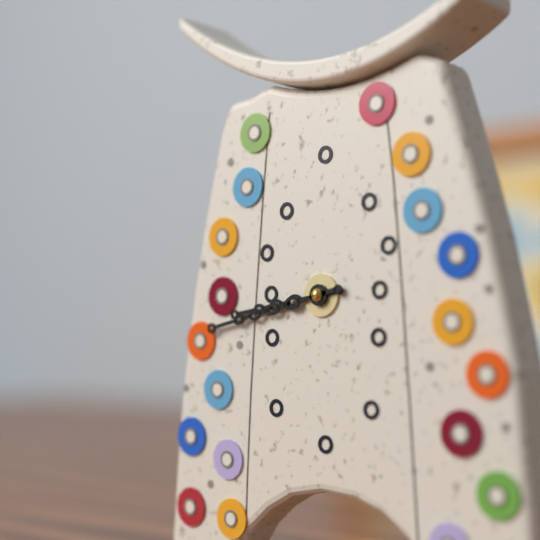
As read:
8 h 43 min
